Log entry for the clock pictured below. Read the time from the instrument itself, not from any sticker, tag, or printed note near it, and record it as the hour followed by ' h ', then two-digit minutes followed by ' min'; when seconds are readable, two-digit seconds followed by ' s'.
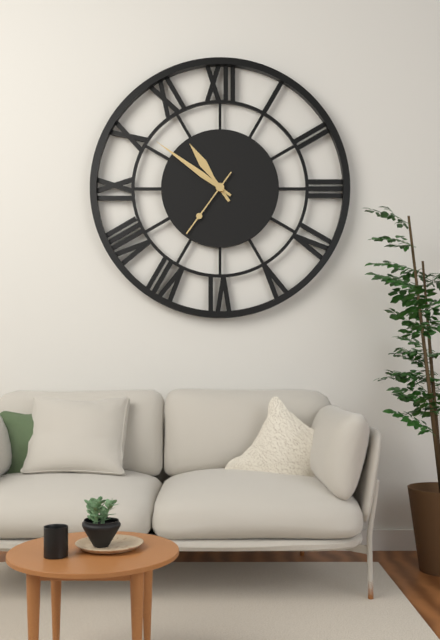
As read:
10 h 51 min 36 s
